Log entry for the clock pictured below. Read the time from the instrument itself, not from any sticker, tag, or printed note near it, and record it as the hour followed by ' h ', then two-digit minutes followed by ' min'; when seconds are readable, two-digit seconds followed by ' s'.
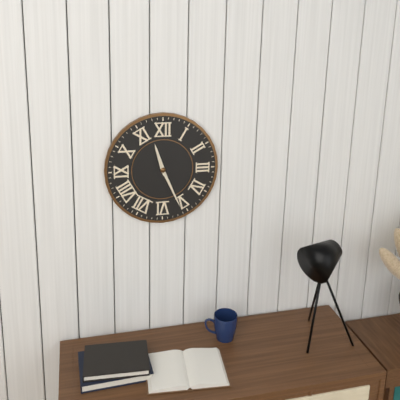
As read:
11 h 26 min
